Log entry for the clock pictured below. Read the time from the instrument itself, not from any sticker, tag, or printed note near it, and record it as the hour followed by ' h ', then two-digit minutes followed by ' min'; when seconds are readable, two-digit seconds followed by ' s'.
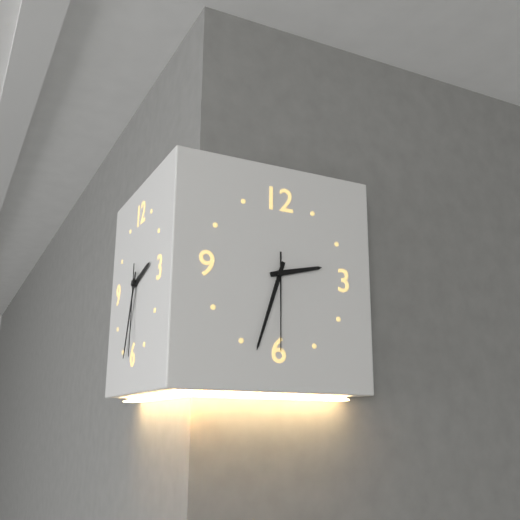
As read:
2 h 33 min 30 s
